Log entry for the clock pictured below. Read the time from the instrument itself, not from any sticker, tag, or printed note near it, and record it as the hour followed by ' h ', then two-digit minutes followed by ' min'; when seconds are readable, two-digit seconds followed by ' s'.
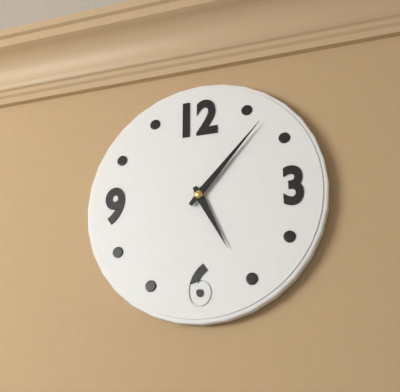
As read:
5 h 07 min
